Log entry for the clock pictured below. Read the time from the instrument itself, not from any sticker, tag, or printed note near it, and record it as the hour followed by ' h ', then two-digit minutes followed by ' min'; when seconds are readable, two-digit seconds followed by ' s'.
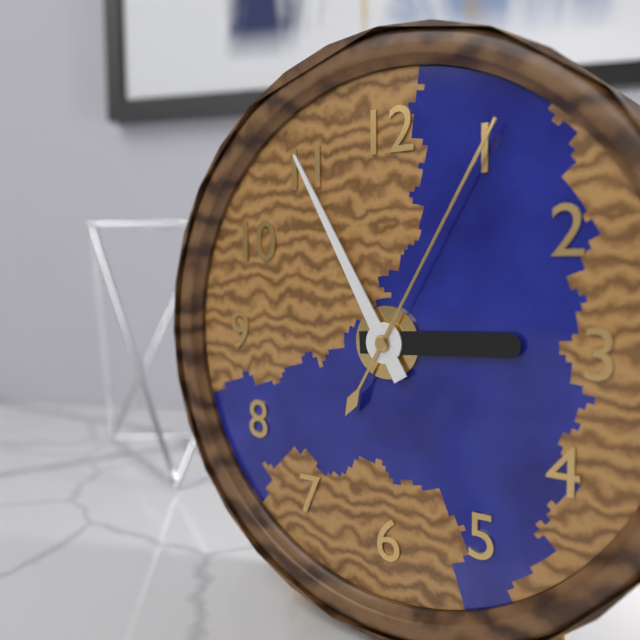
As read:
2 h 55 min 05 s
